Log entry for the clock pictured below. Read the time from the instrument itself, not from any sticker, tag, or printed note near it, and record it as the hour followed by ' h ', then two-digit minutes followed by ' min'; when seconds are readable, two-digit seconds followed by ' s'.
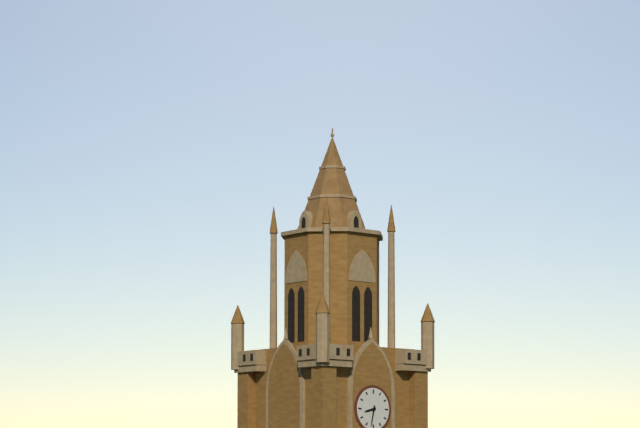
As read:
8 h 32 min
